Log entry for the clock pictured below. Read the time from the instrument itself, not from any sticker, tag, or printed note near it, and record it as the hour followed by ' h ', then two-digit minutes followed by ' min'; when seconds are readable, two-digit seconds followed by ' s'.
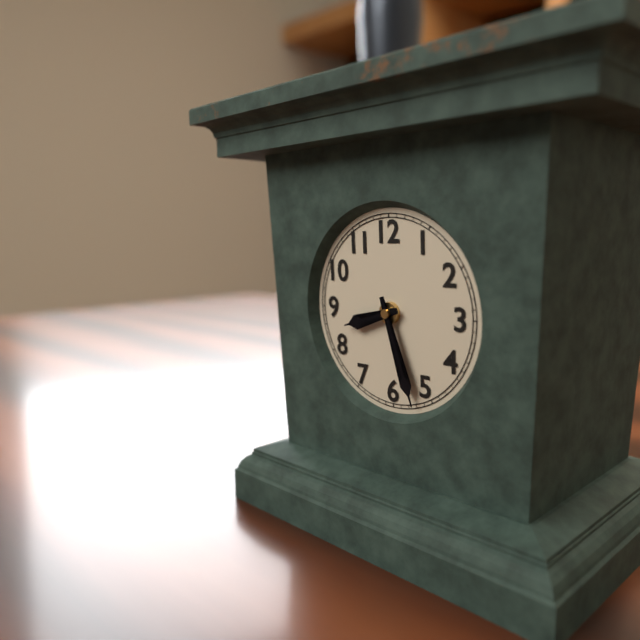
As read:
8 h 27 min
